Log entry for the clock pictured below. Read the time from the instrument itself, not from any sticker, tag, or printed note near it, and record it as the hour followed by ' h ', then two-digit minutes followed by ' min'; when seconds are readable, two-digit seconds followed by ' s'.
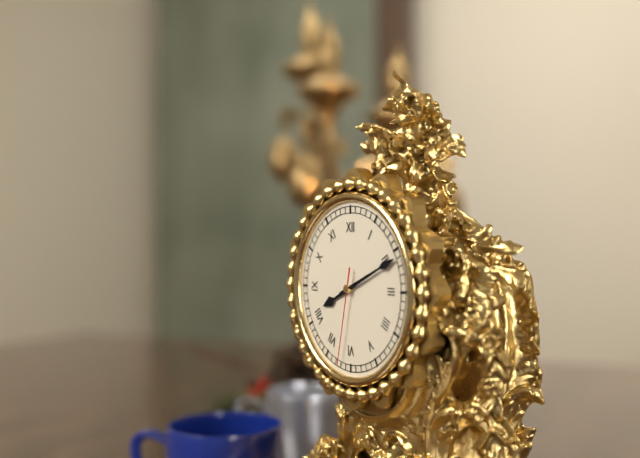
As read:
8 h 11 min 32 s
